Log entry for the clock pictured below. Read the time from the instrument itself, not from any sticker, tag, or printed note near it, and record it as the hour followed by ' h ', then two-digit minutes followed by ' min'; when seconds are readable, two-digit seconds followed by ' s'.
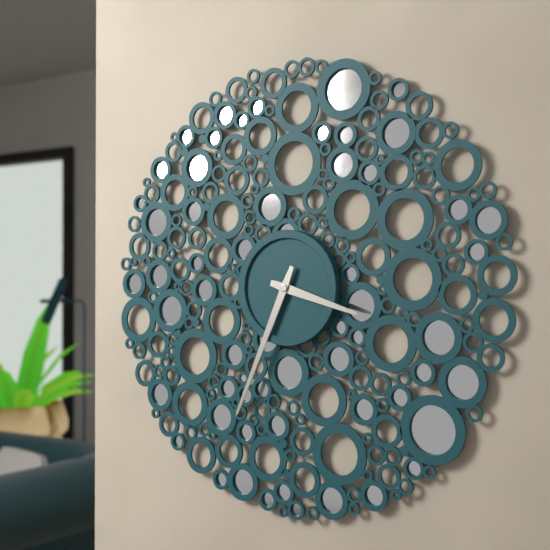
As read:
3 h 34 min
